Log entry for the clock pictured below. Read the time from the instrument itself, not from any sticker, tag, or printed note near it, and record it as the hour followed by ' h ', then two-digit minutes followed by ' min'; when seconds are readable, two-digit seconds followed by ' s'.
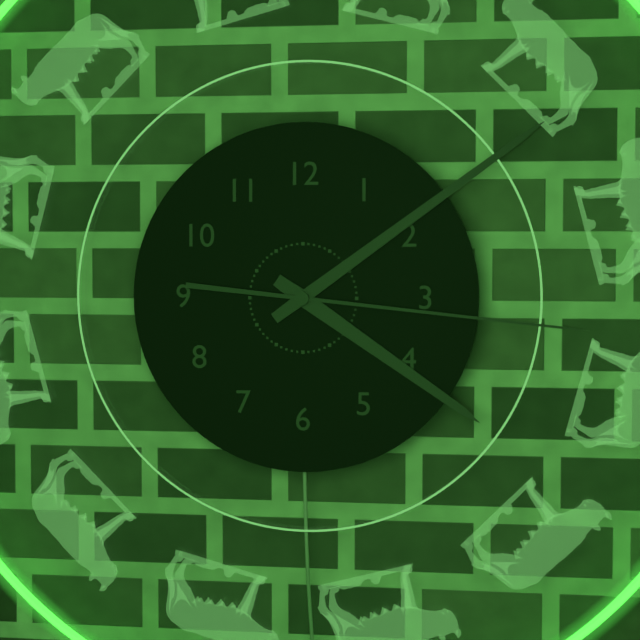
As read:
4 h 09 min 16 s
